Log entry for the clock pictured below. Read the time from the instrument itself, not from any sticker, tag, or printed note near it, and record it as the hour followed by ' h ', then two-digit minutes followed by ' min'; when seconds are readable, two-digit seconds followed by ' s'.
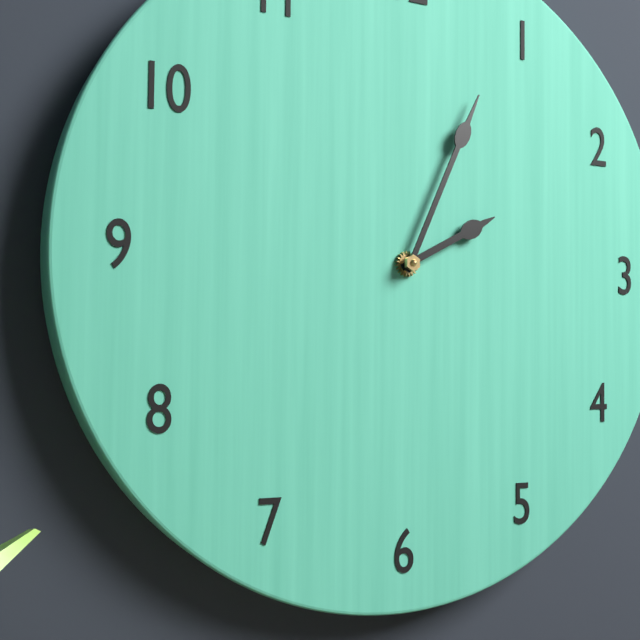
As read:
2 h 04 min
